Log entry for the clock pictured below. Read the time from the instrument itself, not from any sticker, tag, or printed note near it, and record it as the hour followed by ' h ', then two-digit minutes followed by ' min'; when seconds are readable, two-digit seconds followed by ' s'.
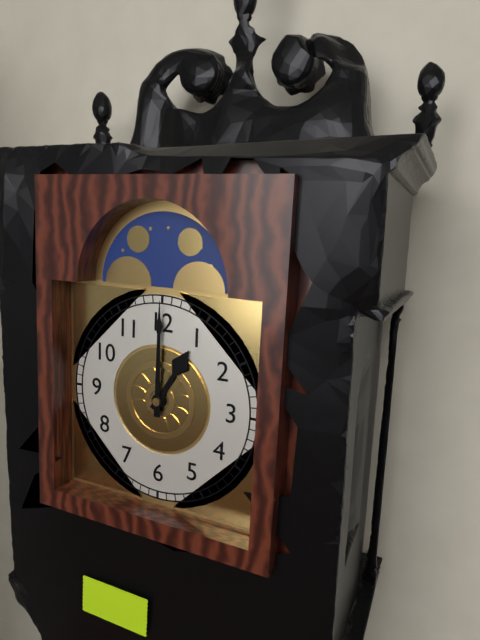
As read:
1 h 00 min
